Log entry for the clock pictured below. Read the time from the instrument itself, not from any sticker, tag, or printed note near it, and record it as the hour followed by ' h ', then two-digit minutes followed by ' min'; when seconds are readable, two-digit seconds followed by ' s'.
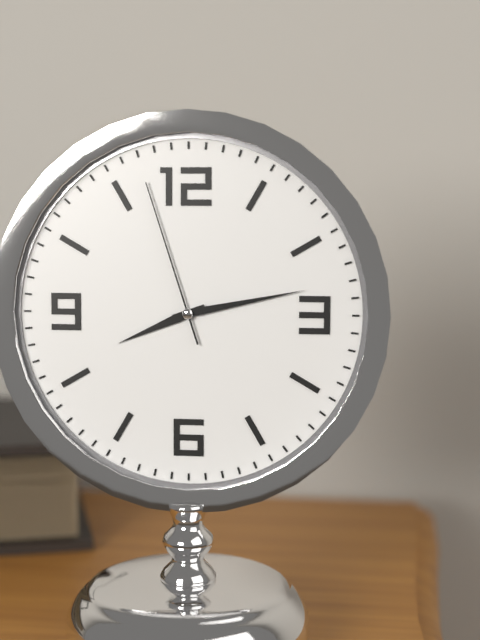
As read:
8 h 13 min 57 s
